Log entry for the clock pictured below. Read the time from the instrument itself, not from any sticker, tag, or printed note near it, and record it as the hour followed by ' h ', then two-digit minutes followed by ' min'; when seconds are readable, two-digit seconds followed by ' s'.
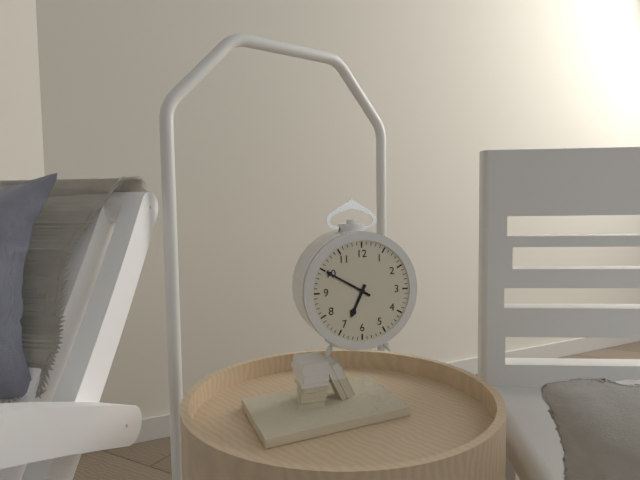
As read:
6 h 50 min
